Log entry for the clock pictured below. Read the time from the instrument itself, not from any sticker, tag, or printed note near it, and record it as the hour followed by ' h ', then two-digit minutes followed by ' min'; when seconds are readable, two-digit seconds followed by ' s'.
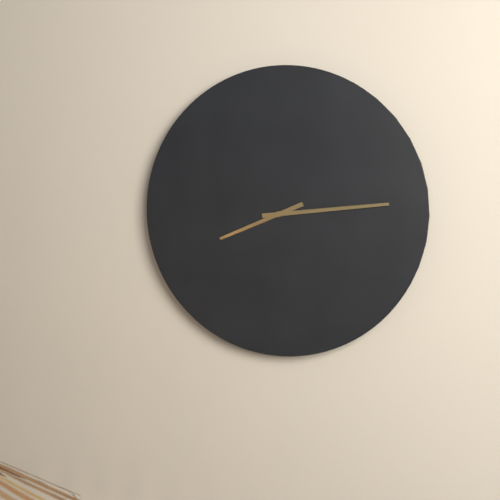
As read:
8 h 14 min
